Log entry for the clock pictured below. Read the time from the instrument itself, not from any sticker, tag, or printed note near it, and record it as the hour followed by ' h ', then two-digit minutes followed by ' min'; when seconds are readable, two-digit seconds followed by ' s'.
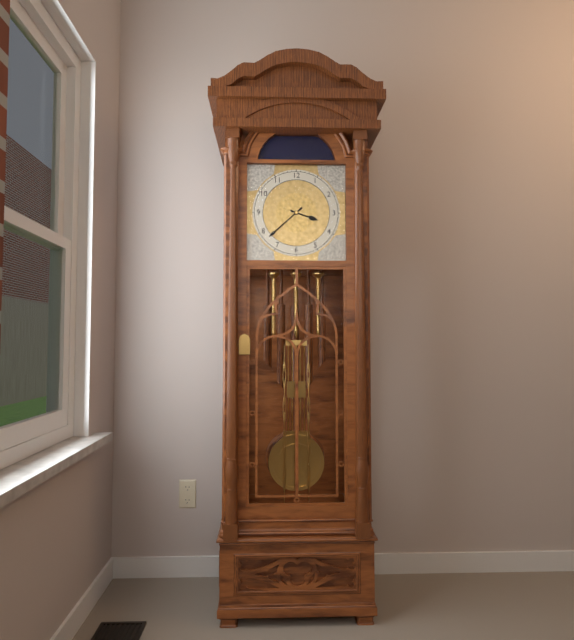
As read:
3 h 38 min
